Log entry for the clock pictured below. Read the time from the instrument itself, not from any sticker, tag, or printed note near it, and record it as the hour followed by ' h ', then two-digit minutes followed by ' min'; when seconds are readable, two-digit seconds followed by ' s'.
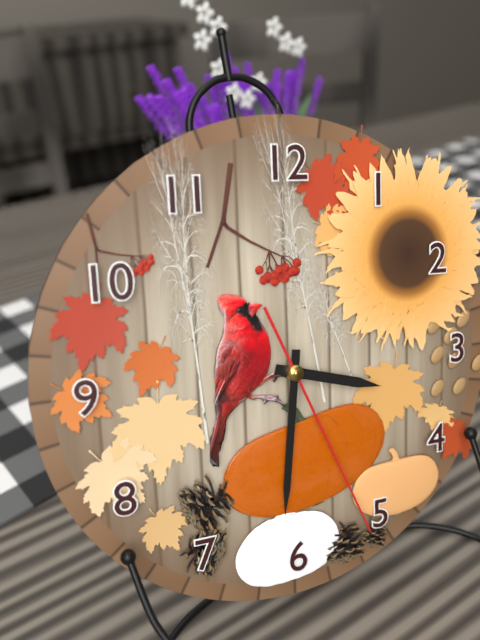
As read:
3 h 31 min 26 s
